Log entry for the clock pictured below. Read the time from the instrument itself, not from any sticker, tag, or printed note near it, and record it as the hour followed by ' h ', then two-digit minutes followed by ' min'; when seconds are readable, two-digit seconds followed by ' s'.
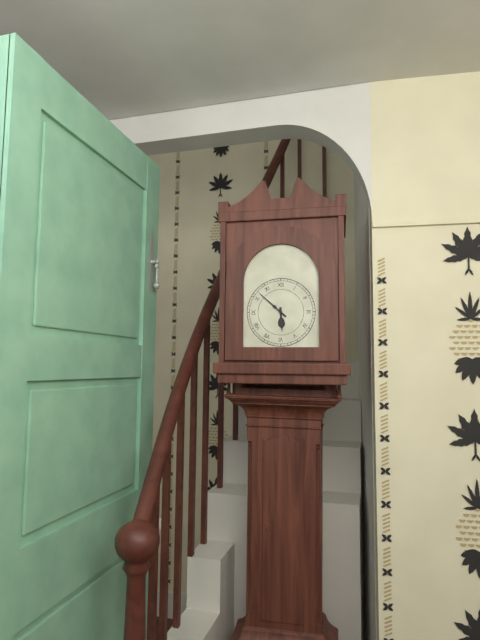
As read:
5 h 52 min
